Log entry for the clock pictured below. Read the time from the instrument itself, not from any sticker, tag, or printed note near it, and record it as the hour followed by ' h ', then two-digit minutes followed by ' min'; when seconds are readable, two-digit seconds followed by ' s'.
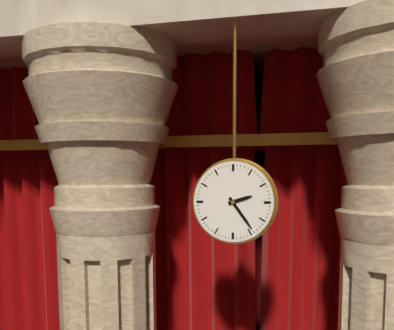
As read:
2 h 24 min
